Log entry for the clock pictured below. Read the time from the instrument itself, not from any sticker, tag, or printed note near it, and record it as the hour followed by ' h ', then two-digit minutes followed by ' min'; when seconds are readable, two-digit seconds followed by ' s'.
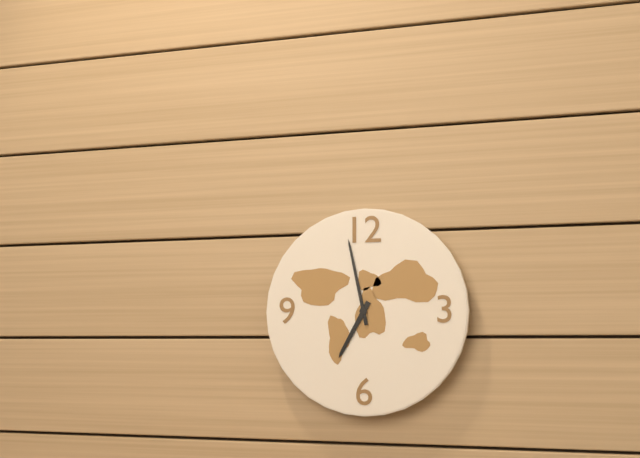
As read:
6 h 58 min
